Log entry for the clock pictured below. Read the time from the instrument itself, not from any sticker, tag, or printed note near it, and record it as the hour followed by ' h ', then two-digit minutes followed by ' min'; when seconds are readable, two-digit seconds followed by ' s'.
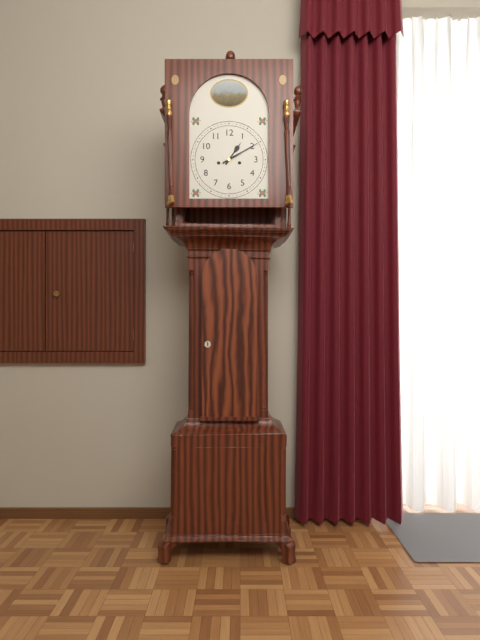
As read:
1 h 10 min
